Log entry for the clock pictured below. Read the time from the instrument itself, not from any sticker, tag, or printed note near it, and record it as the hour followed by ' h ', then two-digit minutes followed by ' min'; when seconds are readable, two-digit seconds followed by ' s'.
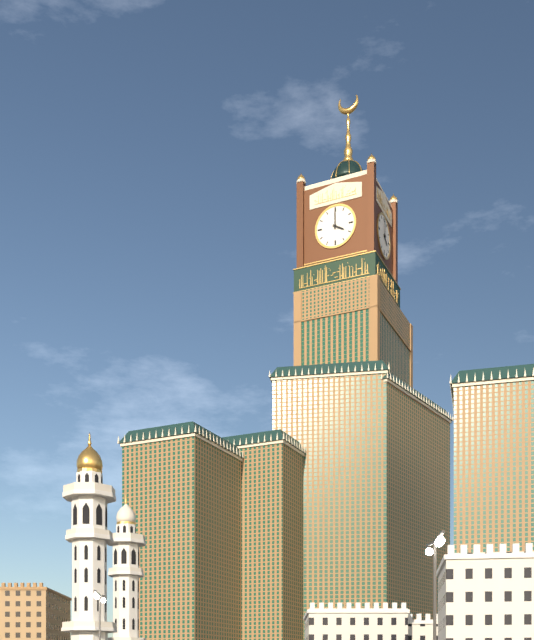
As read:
4 h 00 min
